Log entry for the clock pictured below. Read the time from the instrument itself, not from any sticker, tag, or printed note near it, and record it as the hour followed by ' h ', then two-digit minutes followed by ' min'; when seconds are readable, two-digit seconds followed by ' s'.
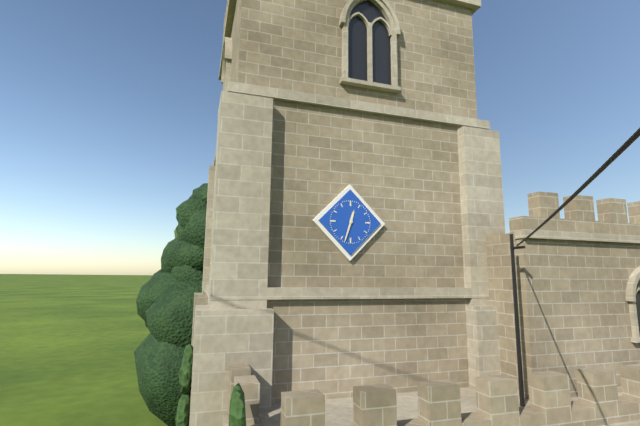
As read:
12 h 33 min
